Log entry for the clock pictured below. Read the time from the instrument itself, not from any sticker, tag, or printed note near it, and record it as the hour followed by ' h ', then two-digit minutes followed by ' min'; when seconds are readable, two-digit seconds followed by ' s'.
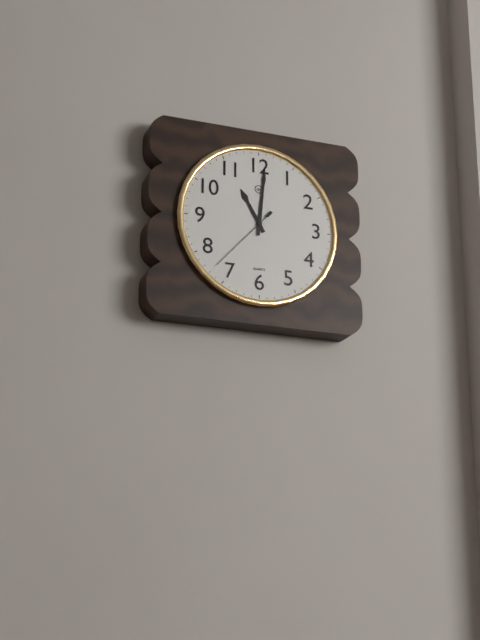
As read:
11 h 01 min 37 s
